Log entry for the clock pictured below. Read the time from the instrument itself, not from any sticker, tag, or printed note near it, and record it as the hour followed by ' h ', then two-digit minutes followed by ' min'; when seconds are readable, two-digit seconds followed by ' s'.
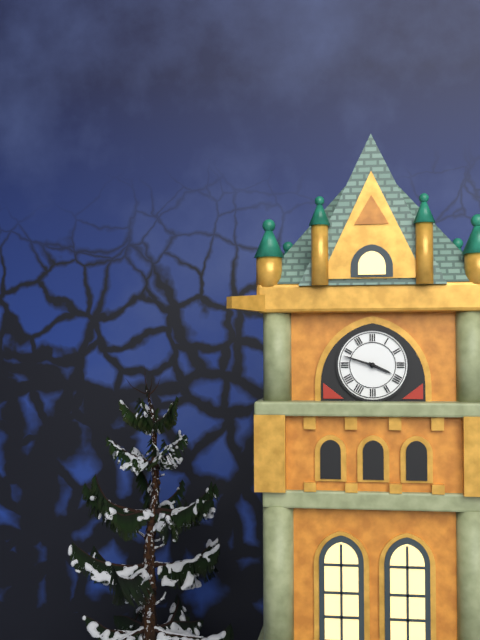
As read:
3 h 48 min
